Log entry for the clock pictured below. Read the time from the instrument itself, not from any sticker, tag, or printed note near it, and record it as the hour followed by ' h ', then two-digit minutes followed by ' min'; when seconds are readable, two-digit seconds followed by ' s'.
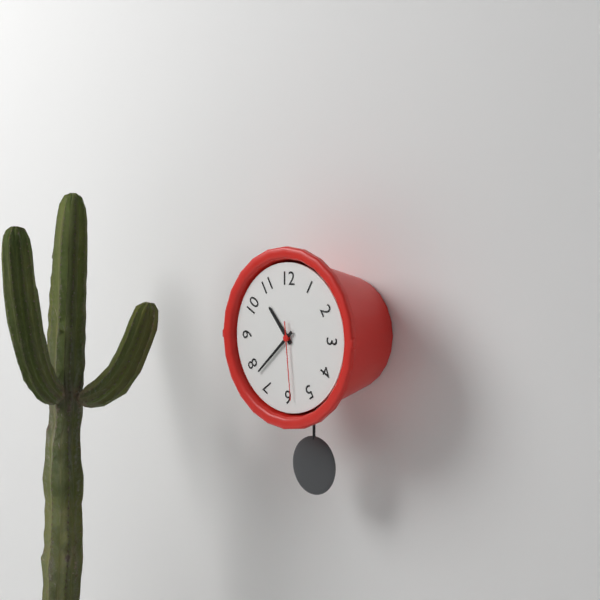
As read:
10 h 38 min 29 s
